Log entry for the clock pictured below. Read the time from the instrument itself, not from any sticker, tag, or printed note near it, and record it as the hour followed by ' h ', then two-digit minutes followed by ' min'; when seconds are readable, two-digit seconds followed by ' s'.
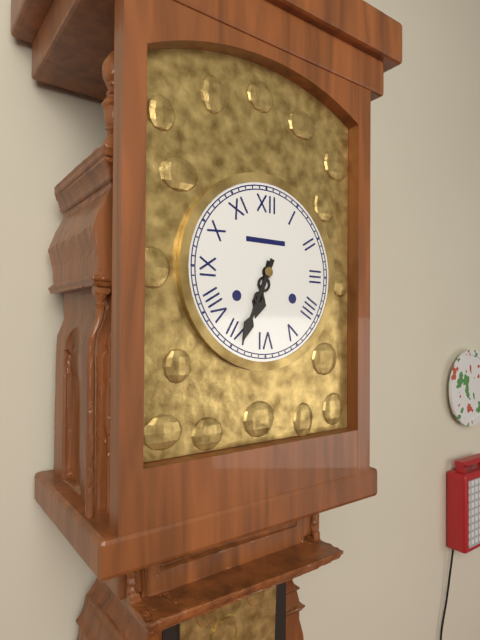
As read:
6 h 34 min
